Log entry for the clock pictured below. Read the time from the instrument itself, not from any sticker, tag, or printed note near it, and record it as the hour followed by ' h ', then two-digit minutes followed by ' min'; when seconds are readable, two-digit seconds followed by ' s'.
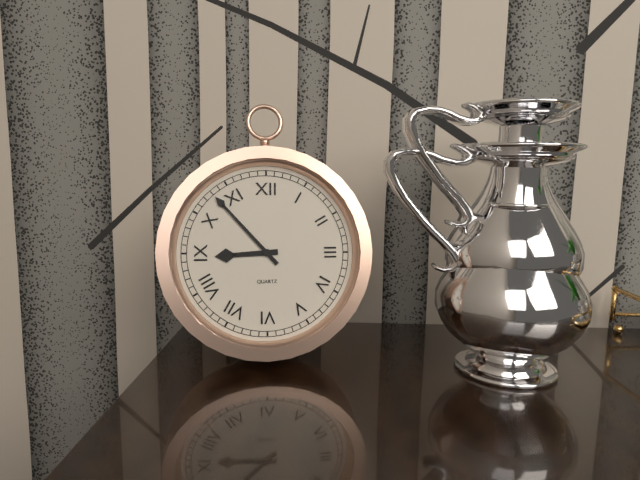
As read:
8 h 53 min
